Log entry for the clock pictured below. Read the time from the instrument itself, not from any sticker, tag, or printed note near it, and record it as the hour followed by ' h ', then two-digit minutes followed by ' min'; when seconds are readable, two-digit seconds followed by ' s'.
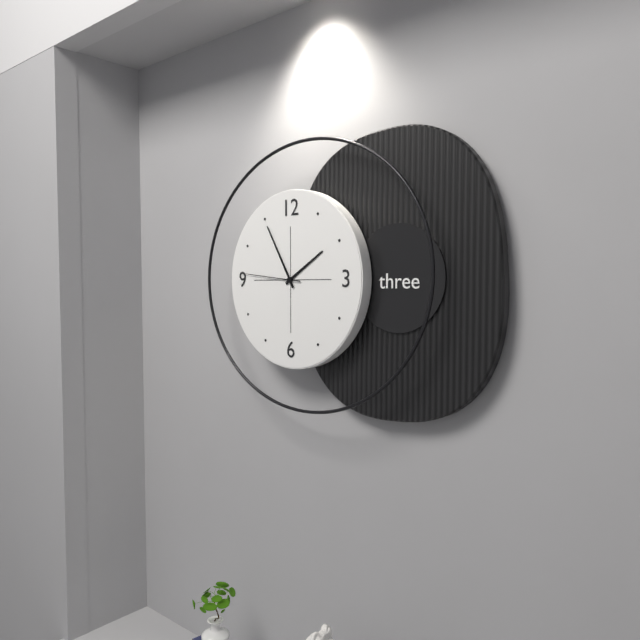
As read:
1 h 55 min 46 s
